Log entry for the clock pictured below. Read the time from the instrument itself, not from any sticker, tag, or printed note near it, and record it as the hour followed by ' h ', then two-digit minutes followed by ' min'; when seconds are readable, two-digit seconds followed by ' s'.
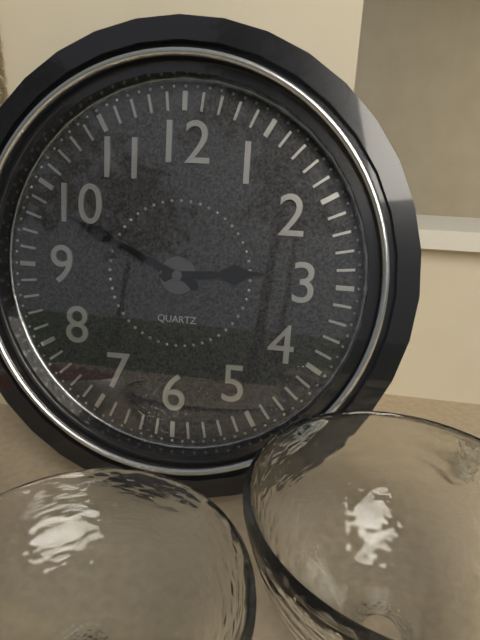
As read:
2 h 49 min
